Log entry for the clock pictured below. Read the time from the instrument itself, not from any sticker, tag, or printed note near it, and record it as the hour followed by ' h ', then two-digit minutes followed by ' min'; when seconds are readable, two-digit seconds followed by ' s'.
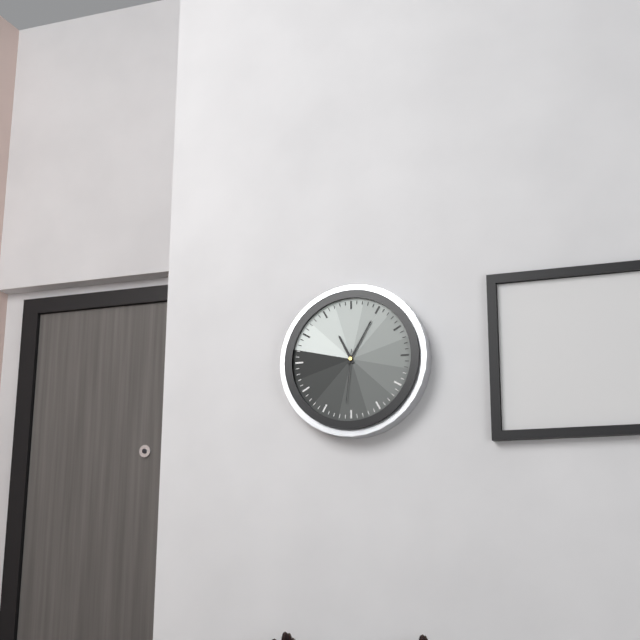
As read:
11 h 05 min 31 s
